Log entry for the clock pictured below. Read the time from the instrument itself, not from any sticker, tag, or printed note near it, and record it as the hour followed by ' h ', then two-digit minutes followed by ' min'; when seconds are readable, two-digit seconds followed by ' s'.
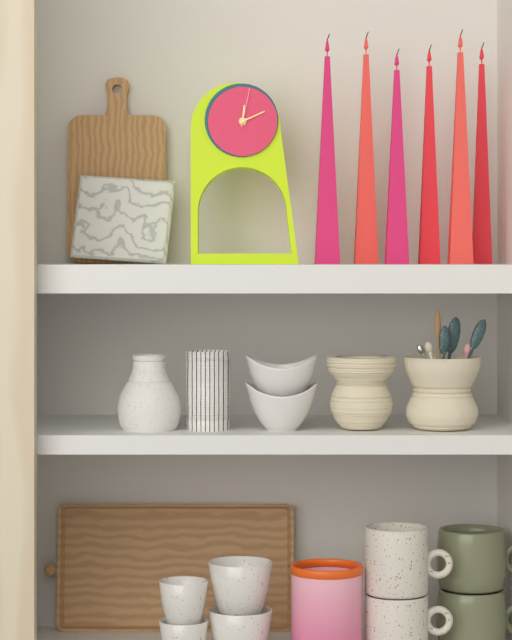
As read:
12 h 11 min
